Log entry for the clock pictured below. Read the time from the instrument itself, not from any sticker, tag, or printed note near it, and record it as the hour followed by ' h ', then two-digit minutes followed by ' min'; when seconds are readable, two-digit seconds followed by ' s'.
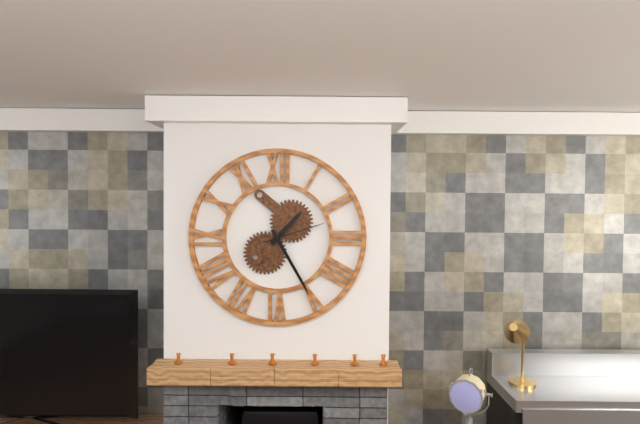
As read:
1 h 25 min 12 s
